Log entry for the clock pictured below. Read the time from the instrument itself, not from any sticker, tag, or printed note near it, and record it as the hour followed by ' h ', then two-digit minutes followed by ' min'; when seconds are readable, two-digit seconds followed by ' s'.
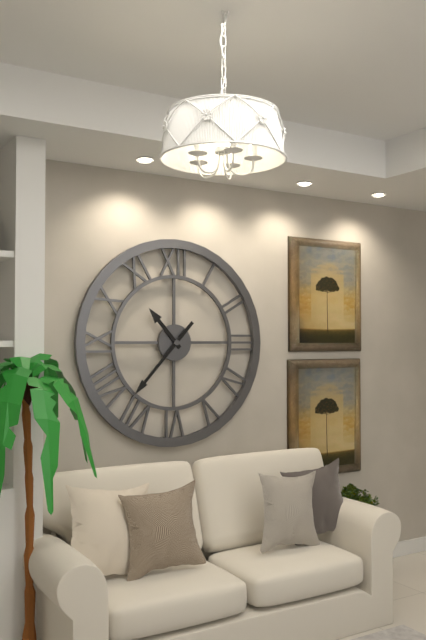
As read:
10 h 37 min
